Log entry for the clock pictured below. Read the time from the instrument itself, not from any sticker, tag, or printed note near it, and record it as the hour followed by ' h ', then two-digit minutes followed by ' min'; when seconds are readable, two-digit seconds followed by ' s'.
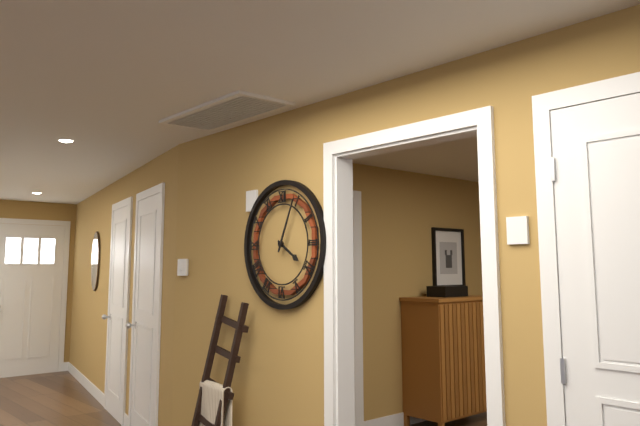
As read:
4 h 04 min
